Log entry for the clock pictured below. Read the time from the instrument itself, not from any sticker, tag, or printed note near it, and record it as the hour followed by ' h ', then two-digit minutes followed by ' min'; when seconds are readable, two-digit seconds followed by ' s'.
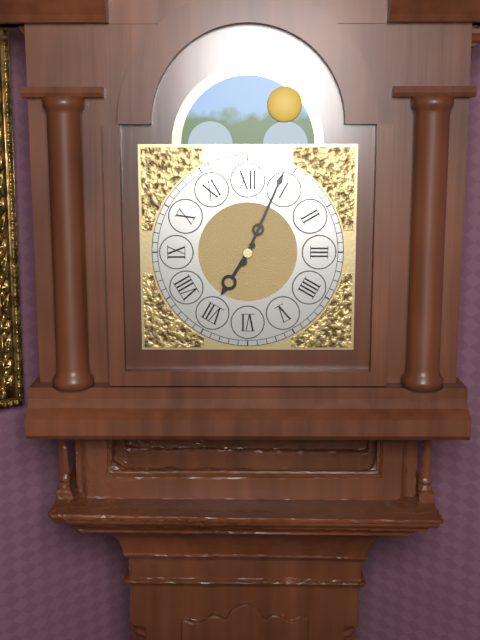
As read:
7 h 04 min
